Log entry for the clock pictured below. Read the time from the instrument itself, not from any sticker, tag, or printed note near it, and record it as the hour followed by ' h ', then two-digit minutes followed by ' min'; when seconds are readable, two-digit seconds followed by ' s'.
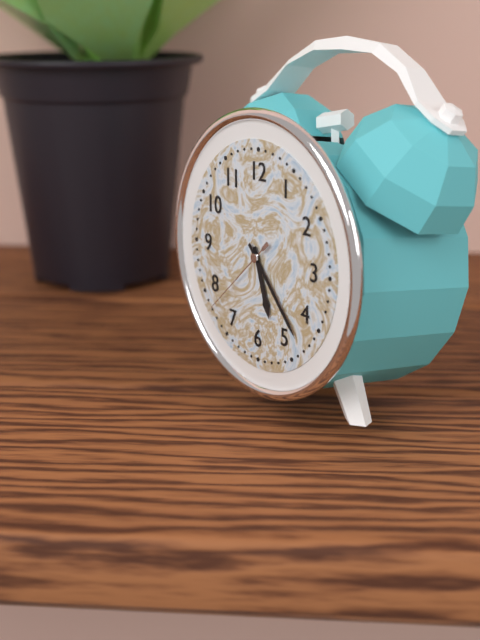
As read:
5 h 23 min 38 s
